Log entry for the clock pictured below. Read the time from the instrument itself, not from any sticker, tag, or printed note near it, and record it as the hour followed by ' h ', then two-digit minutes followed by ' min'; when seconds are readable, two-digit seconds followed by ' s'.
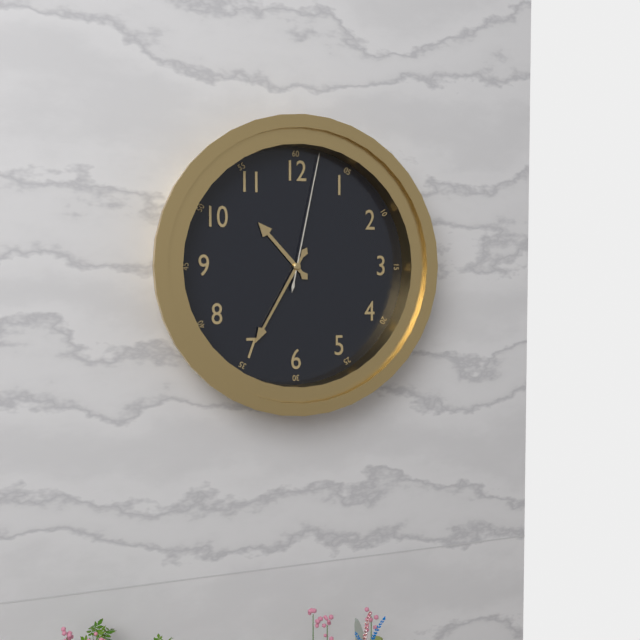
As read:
10 h 35 min 02 s
